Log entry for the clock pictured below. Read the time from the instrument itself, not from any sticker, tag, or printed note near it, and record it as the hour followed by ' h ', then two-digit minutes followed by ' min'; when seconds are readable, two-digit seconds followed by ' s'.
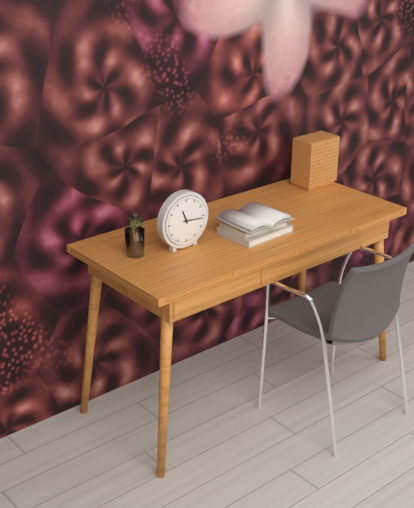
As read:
11 h 16 min
